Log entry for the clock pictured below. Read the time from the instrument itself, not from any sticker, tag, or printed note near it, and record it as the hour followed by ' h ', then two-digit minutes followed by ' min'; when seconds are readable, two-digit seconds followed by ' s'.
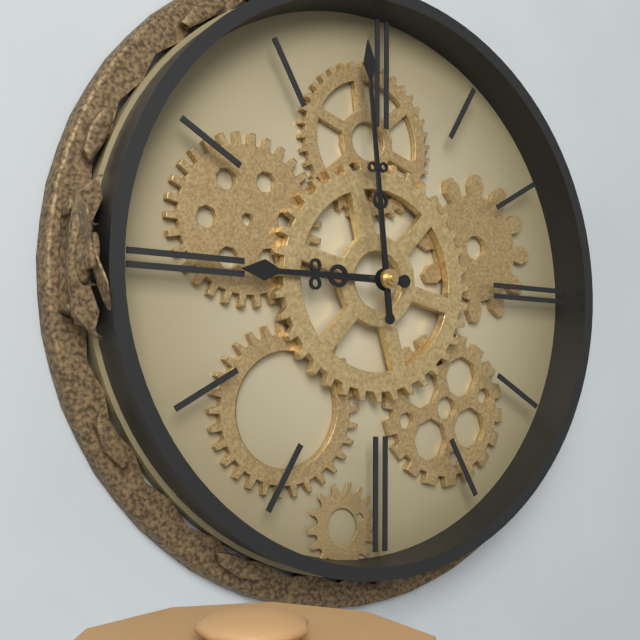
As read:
8 h 59 min
